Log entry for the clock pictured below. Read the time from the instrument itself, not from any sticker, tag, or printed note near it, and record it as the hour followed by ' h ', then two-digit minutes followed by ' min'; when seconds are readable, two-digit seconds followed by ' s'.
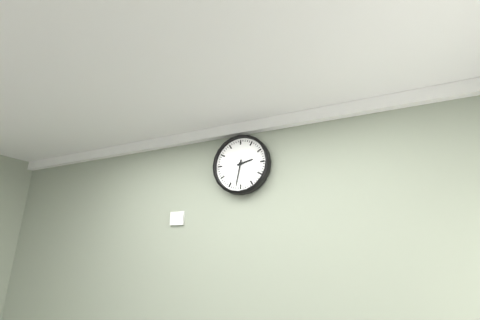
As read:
2 h 32 min
